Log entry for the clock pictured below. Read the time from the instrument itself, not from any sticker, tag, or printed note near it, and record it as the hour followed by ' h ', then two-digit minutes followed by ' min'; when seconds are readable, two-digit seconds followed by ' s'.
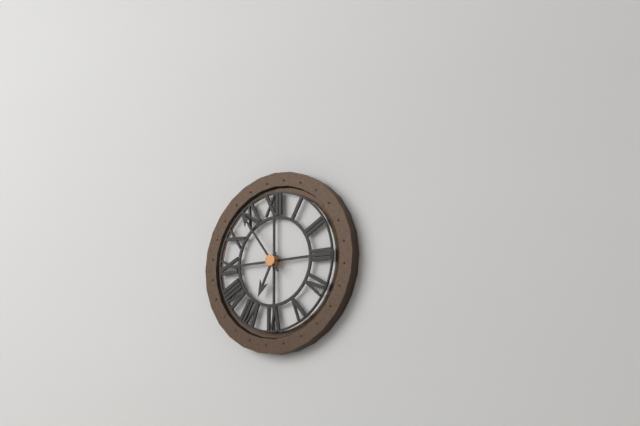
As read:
6 h 54 min
